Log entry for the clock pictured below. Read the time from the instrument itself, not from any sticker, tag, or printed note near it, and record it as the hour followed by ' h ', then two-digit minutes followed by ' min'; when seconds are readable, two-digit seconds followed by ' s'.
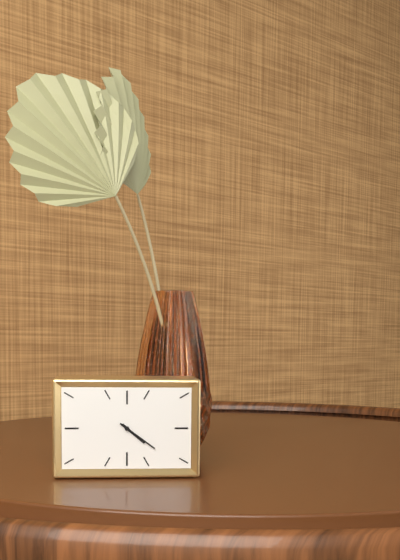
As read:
4 h 21 min
